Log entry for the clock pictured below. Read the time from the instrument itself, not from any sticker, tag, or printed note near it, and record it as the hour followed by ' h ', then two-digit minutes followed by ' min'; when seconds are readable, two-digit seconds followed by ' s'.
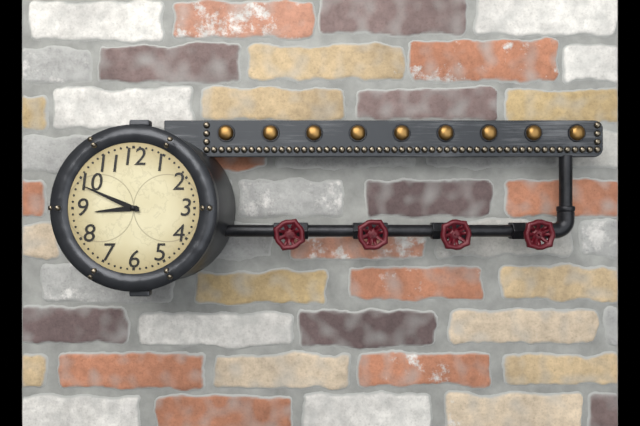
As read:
8 h 49 min
